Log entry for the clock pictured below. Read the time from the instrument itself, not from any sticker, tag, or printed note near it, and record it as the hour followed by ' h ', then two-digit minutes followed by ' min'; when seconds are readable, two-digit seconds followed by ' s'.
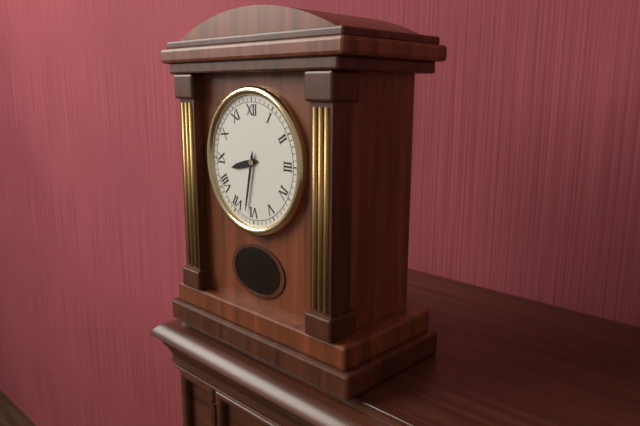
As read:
8 h 32 min
